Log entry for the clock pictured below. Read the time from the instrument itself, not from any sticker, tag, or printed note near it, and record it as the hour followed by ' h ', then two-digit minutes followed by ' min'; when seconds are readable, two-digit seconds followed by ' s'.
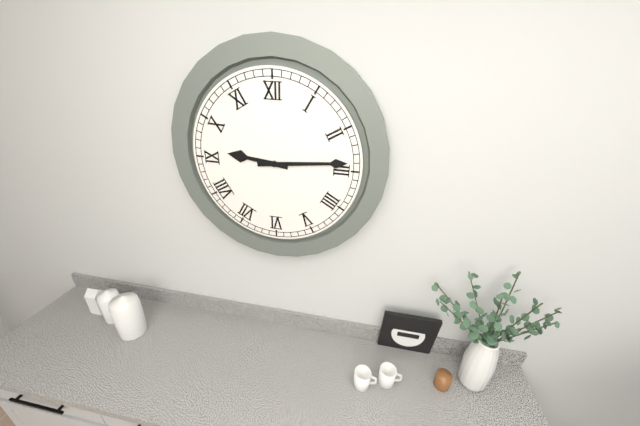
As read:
9 h 14 min
